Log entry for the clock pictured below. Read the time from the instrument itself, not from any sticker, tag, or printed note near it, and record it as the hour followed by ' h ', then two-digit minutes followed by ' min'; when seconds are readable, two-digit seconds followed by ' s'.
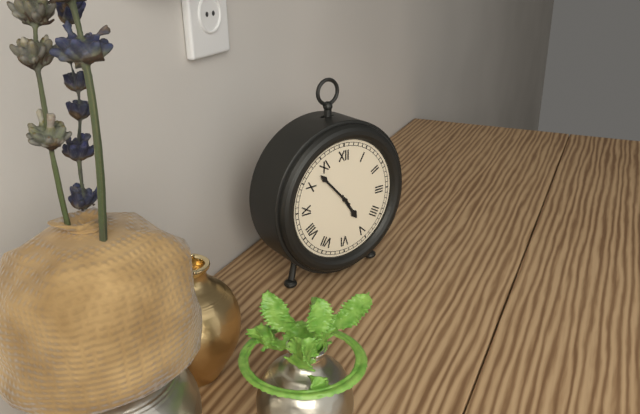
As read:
4 h 53 min
